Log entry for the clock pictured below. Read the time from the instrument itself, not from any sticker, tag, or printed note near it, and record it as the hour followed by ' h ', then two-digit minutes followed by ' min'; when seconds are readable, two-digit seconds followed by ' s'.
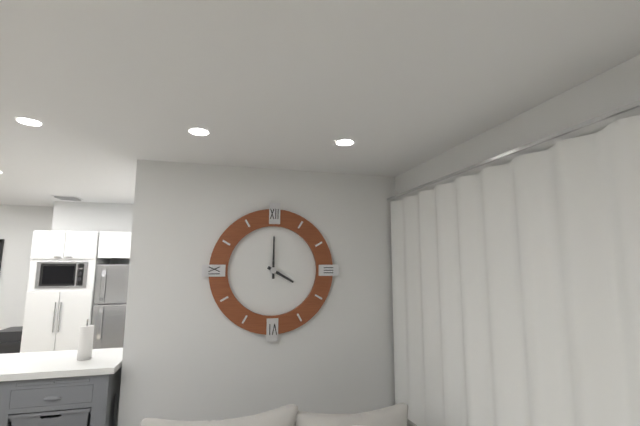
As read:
4 h 00 min
